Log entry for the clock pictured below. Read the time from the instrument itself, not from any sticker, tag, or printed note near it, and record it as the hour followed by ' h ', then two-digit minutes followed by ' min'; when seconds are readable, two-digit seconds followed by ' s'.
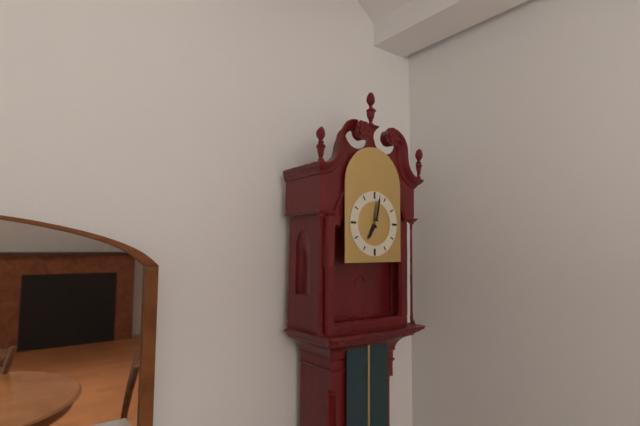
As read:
7 h 02 min
